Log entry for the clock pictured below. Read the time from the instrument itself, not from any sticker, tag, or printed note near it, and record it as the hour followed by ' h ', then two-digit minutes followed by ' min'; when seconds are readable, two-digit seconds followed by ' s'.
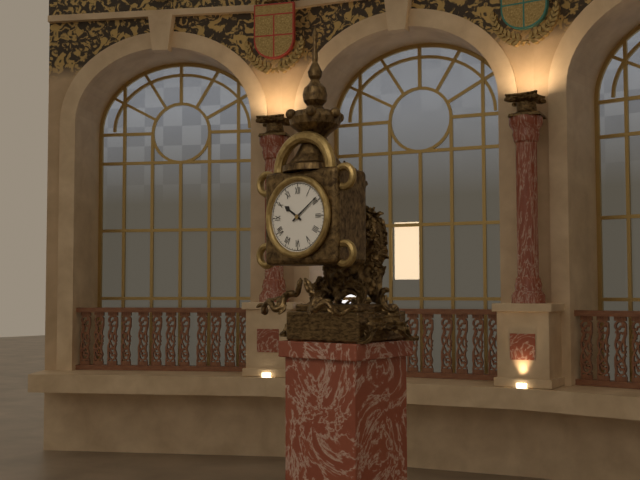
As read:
10 h 09 min
